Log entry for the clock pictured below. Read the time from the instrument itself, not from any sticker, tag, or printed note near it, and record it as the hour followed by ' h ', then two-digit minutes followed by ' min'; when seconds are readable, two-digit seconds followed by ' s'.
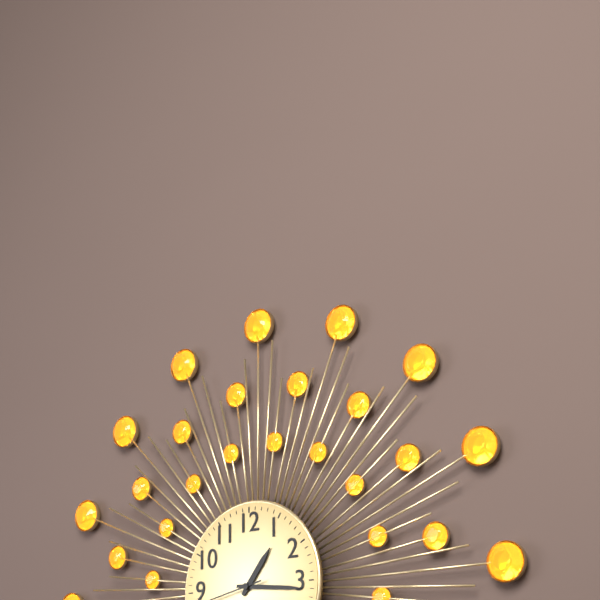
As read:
1 h 16 min
